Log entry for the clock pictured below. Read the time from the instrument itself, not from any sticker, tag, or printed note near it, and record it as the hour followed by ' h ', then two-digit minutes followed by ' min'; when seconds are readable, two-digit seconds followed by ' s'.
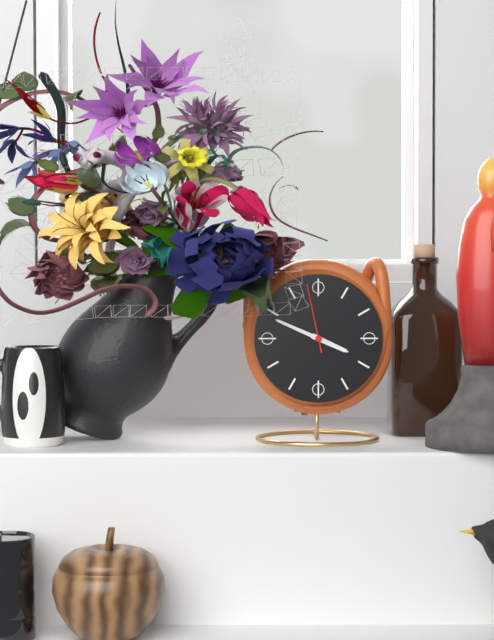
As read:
3 h 49 min 58 s
